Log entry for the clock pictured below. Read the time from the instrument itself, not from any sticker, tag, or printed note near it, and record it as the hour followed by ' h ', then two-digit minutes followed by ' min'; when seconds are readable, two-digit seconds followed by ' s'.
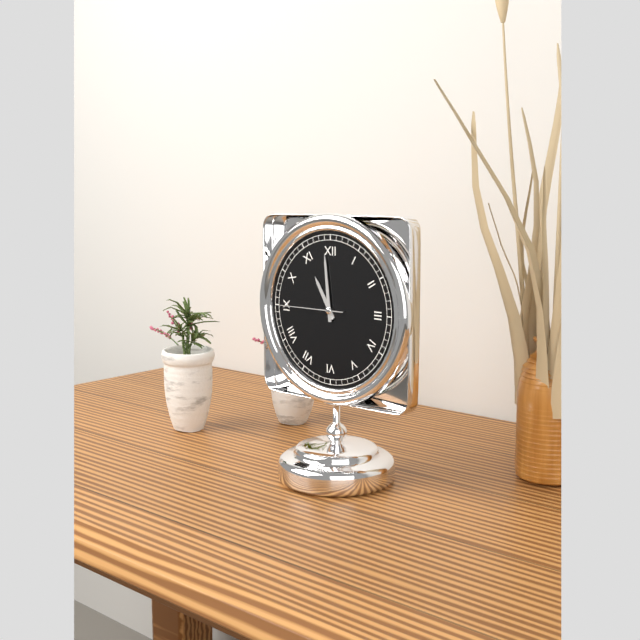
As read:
10 h 59 min 45 s
